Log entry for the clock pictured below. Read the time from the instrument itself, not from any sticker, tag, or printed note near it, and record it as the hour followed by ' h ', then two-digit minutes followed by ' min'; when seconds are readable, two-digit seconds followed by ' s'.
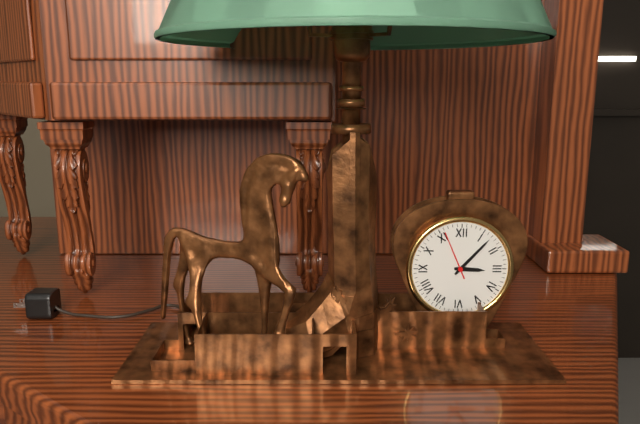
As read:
3 h 07 min
